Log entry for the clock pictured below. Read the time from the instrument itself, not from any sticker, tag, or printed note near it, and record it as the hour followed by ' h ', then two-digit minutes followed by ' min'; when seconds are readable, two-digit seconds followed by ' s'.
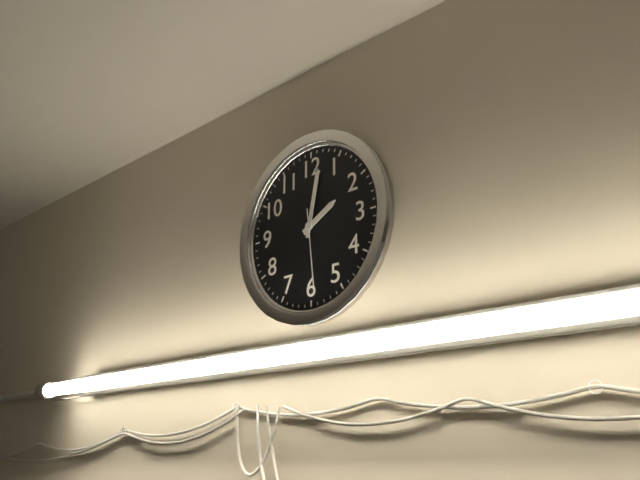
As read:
2 h 02 min 29 s
